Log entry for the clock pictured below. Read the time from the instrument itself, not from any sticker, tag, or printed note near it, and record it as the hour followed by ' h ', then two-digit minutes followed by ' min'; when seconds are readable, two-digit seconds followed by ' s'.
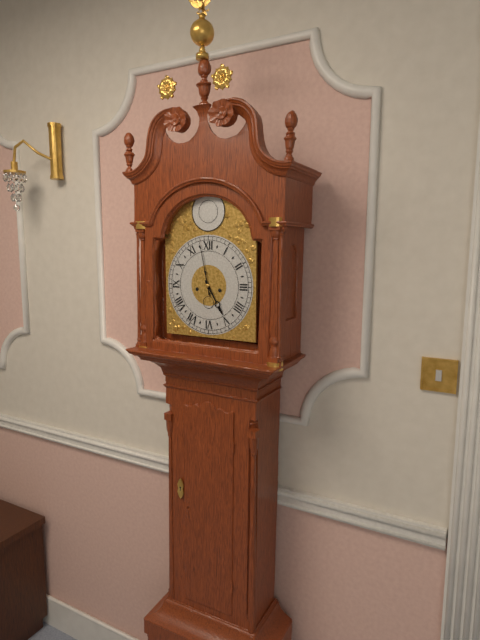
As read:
4 h 58 min
